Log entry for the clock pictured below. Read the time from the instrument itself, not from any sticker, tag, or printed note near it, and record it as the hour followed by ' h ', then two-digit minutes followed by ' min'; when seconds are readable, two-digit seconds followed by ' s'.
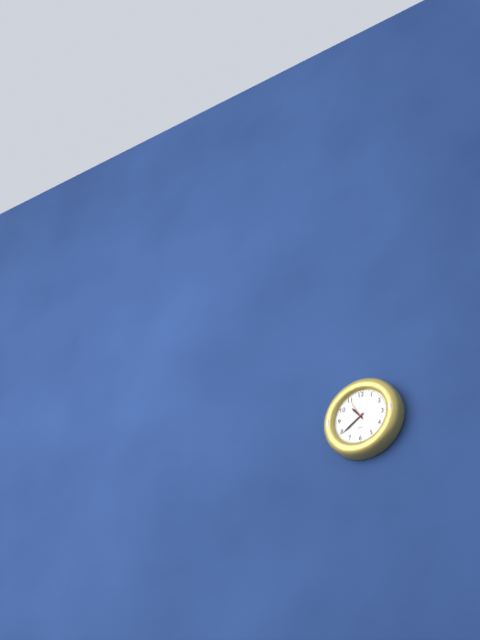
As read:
10 h 39 min
